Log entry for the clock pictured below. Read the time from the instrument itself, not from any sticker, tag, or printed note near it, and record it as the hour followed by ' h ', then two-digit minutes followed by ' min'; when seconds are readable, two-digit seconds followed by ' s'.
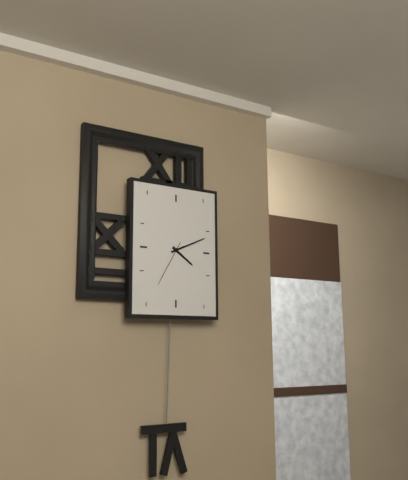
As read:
4 h 11 min 35 s
